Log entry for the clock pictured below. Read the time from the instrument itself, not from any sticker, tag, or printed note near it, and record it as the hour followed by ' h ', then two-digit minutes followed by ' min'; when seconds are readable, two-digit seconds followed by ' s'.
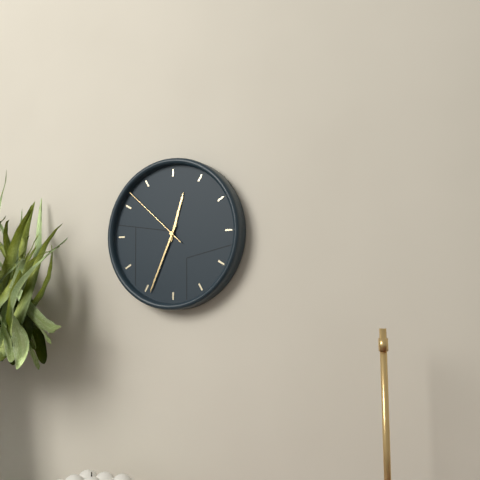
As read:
12 h 34 min 52 s
